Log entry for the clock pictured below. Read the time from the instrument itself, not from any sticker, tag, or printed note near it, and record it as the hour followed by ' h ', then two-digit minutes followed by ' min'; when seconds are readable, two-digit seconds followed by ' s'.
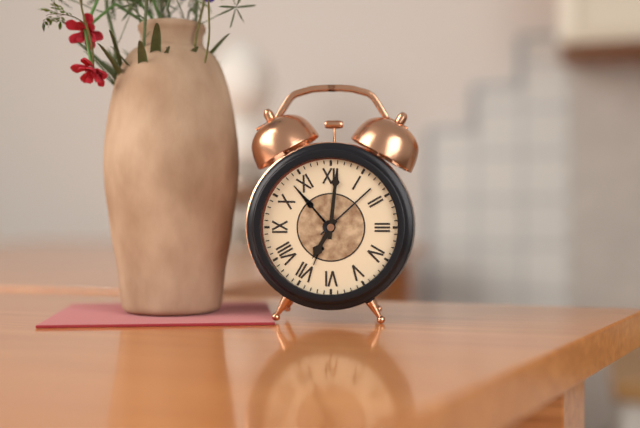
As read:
7 h 01 min
